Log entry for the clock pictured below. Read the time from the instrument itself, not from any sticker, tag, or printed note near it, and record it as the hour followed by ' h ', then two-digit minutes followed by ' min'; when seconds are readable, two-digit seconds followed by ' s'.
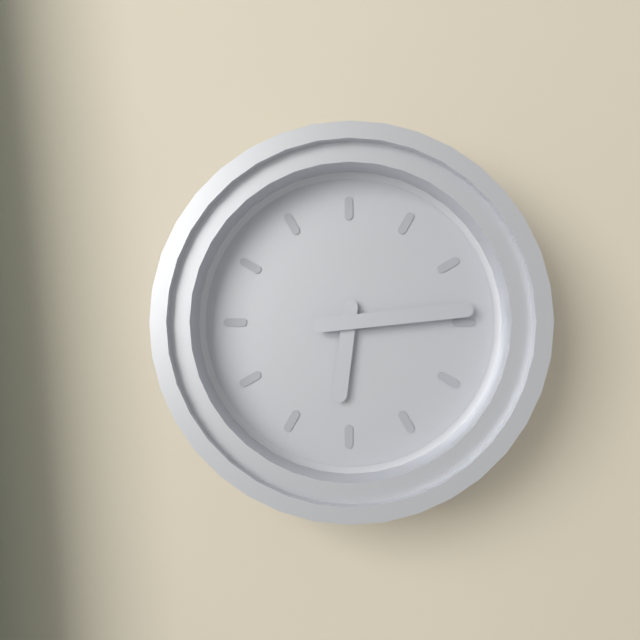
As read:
6 h 14 min
